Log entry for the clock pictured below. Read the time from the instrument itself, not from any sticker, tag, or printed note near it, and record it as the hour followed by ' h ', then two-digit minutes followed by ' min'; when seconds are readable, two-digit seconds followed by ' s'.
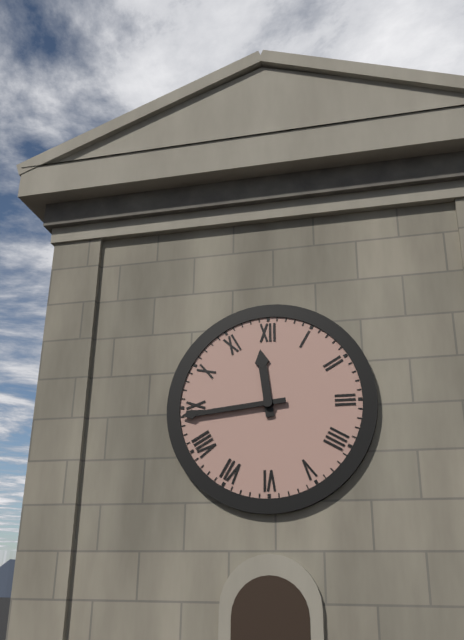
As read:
11 h 44 min
